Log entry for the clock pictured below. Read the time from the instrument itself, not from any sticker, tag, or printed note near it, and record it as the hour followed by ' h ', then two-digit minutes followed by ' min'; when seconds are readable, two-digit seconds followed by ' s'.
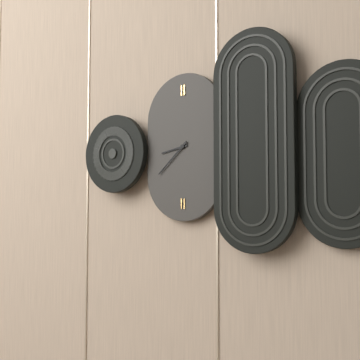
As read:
8 h 38 min
